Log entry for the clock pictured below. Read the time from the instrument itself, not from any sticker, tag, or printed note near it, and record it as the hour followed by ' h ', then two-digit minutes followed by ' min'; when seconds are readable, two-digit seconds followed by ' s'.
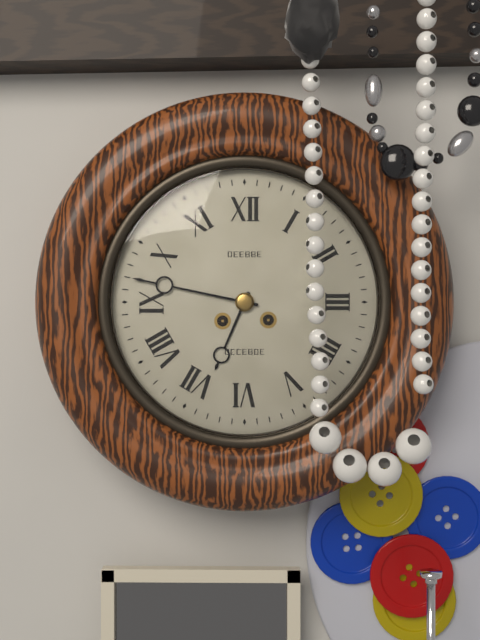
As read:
6 h 47 min
